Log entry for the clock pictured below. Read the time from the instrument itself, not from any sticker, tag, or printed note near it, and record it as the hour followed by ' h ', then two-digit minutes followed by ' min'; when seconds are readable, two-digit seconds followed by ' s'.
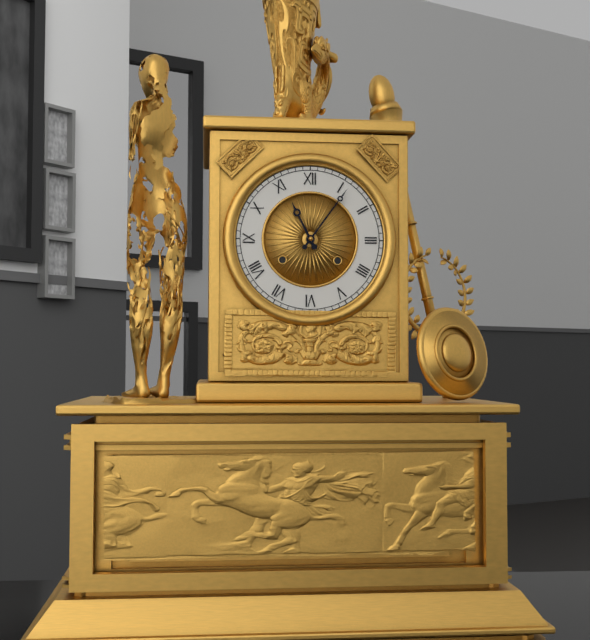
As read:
11 h 06 min
